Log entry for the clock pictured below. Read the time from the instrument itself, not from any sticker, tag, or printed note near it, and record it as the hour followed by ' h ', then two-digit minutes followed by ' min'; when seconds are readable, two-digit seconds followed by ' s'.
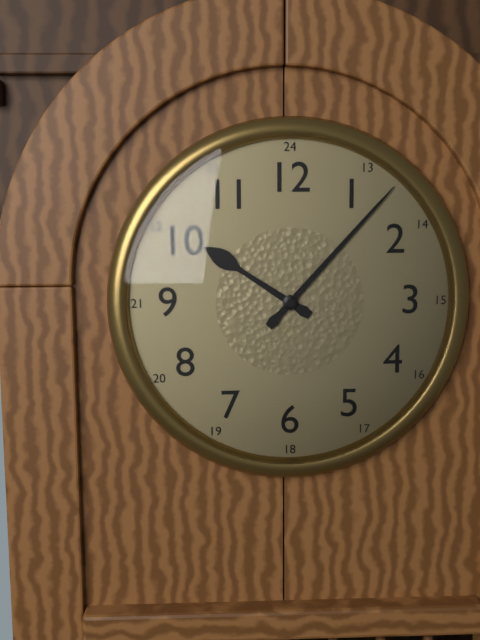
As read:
10 h 07 min
